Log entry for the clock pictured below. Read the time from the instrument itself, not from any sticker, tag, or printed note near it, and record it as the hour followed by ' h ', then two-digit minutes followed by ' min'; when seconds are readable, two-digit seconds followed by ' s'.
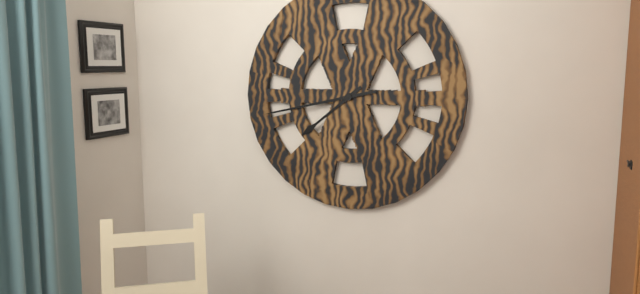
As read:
7 h 43 min
